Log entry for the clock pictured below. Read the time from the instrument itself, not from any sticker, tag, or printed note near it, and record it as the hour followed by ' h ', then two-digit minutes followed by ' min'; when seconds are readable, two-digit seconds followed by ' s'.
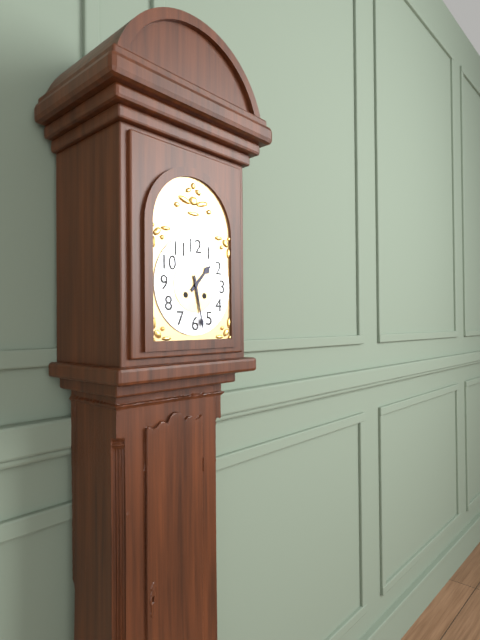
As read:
1 h 28 min
